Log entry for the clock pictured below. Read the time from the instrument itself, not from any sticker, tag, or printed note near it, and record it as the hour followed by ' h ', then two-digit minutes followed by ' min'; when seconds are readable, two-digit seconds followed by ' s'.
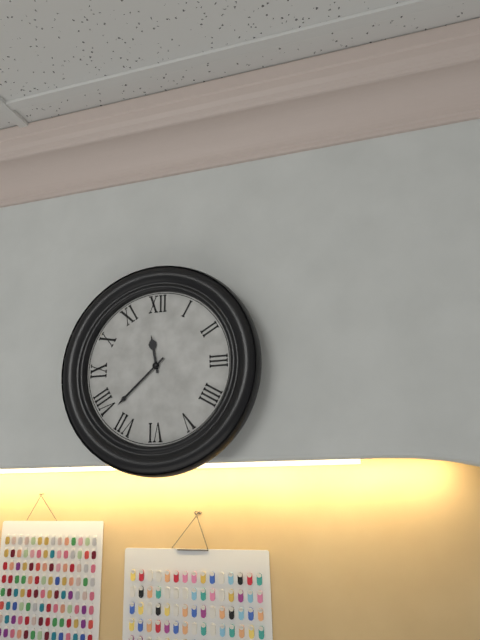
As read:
11 h 38 min
